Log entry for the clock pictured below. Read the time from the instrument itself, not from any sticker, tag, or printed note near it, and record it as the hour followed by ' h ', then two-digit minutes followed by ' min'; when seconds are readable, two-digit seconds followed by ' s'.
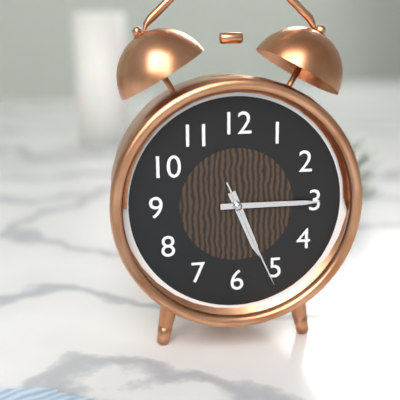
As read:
5 h 15 min 26 s
